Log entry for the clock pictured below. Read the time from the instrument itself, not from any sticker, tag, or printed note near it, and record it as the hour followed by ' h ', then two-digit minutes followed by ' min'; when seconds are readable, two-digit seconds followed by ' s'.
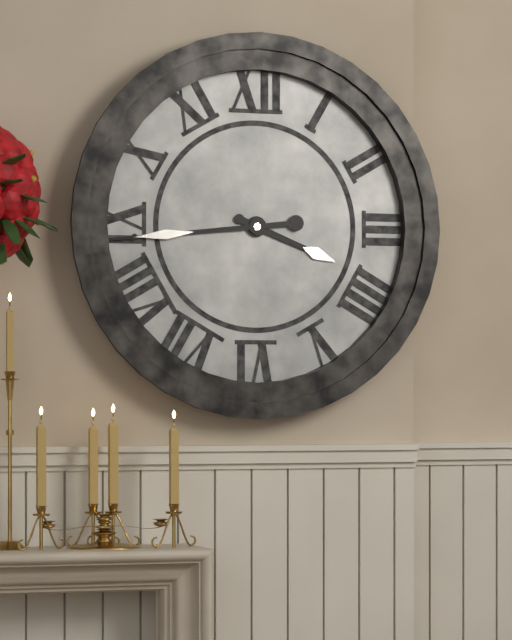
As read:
3 h 44 min
